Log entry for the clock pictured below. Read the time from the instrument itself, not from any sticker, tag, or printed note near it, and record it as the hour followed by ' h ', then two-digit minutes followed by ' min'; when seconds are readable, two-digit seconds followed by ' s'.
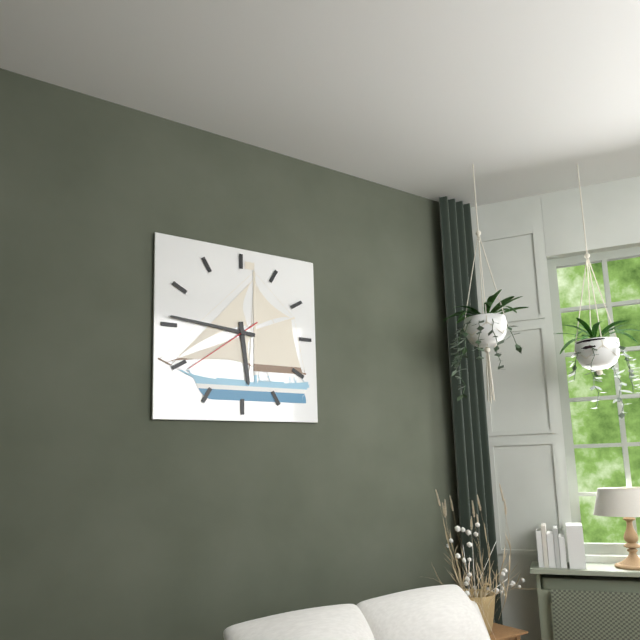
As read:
5 h 46 min 39 s
